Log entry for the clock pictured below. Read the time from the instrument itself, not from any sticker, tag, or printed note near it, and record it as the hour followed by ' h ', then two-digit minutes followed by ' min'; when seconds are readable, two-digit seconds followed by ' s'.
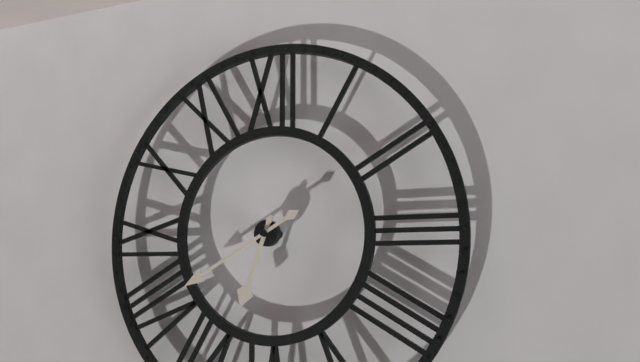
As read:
6 h 40 min
